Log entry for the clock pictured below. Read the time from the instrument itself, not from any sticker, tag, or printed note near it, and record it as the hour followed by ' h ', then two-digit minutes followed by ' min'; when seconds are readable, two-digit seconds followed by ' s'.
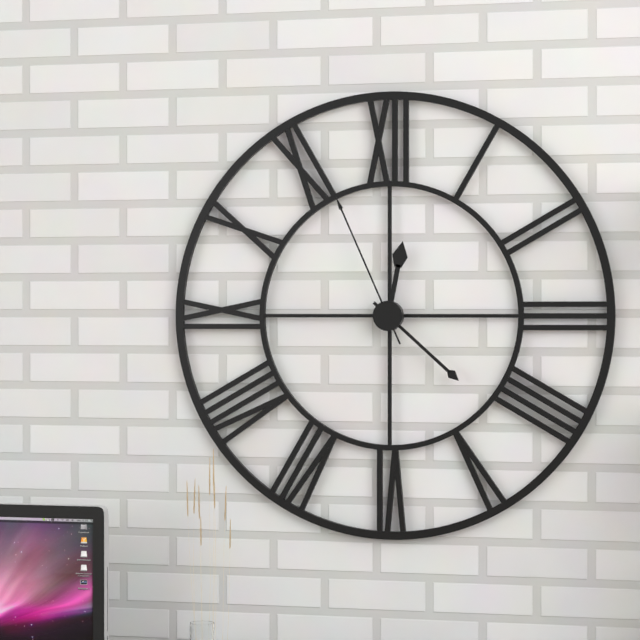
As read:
12 h 22 min 56 s
